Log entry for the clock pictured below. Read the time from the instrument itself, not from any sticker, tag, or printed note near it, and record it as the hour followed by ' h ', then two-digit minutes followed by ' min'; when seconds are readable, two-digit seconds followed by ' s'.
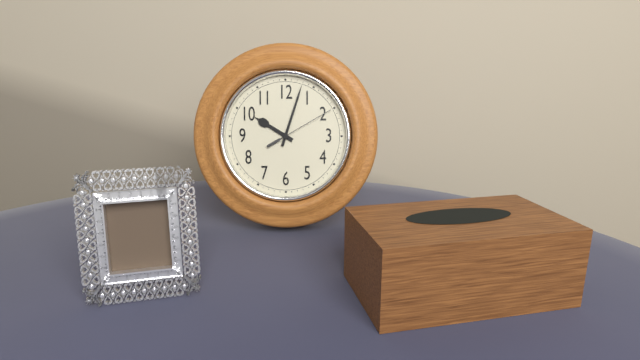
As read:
10 h 03 min 10 s
